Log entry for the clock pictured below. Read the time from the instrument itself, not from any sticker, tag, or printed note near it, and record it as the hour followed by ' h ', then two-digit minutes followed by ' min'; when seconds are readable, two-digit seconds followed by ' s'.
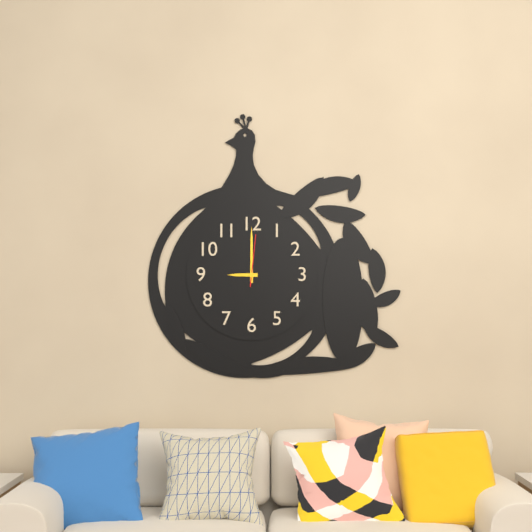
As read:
9 h 00 min 01 s
